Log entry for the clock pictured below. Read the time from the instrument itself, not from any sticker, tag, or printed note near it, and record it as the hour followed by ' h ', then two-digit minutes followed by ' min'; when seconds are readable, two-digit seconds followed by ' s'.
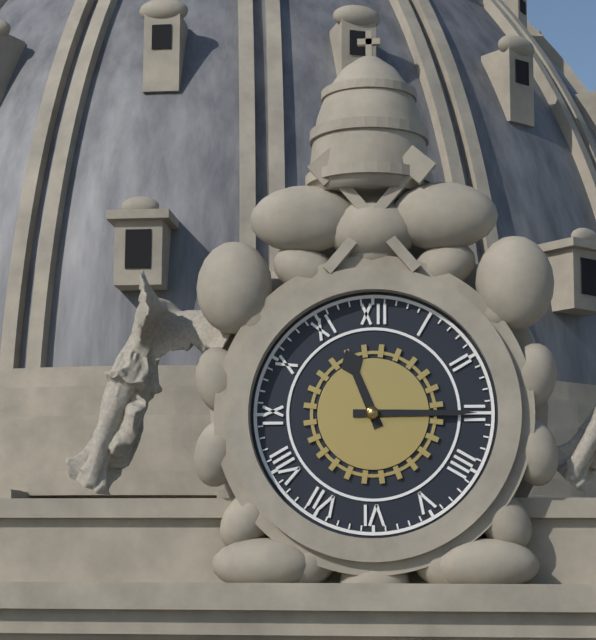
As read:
11 h 15 min
